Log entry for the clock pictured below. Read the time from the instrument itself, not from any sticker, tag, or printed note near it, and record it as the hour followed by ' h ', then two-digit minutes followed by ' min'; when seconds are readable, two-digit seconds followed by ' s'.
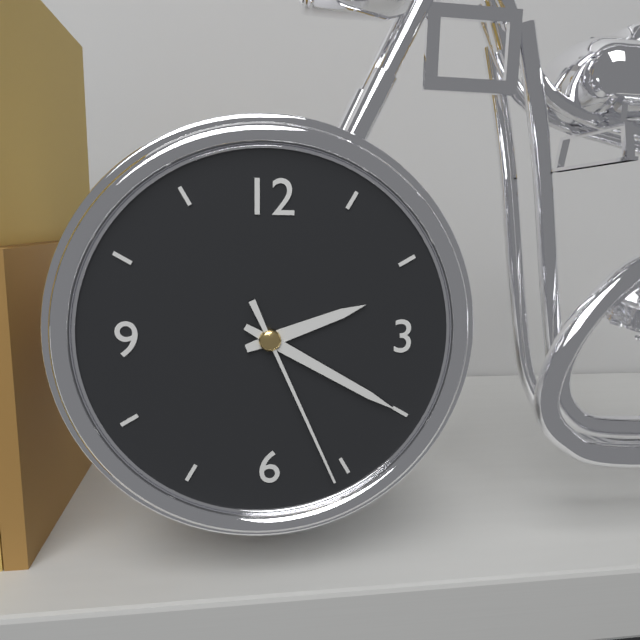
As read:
2 h 20 min 26 s
